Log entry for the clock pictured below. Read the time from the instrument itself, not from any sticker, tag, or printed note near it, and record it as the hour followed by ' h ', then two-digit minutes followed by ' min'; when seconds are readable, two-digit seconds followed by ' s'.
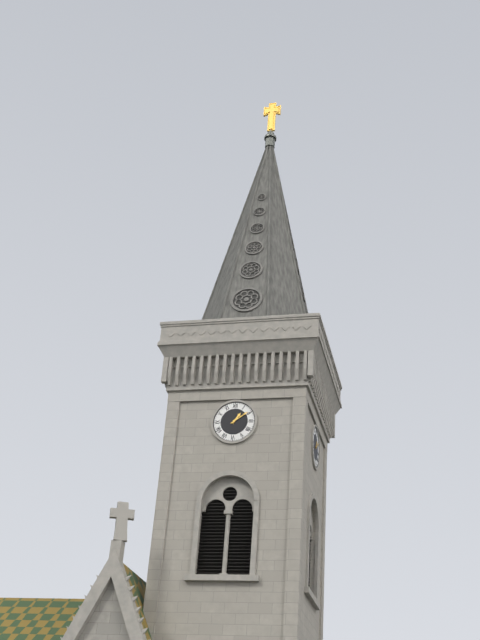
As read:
1 h 09 min
